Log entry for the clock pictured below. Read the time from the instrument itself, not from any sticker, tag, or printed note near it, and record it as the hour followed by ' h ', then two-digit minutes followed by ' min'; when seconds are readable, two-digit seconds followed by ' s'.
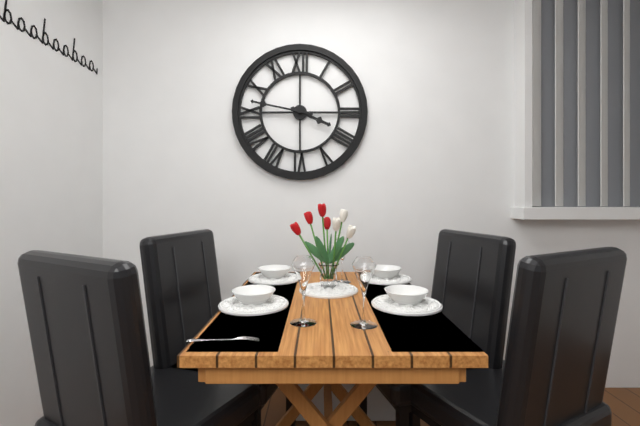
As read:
3 h 47 min
